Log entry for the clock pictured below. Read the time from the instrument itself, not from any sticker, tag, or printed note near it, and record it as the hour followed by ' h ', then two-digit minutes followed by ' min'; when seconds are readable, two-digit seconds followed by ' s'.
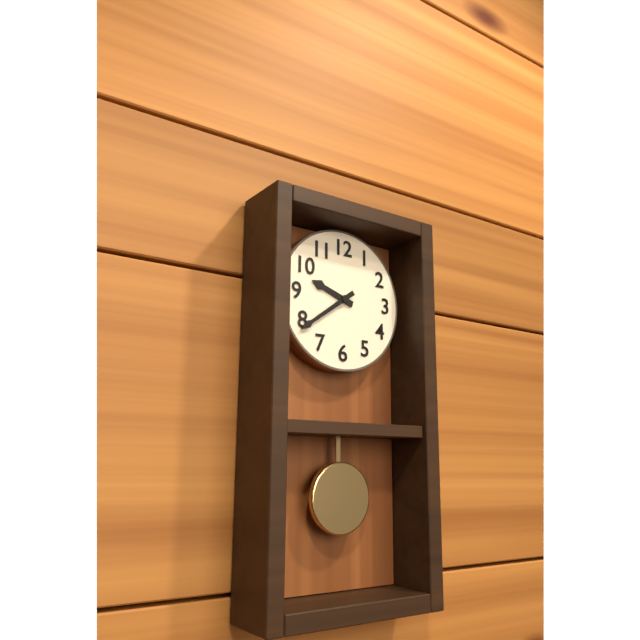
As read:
9 h 39 min
